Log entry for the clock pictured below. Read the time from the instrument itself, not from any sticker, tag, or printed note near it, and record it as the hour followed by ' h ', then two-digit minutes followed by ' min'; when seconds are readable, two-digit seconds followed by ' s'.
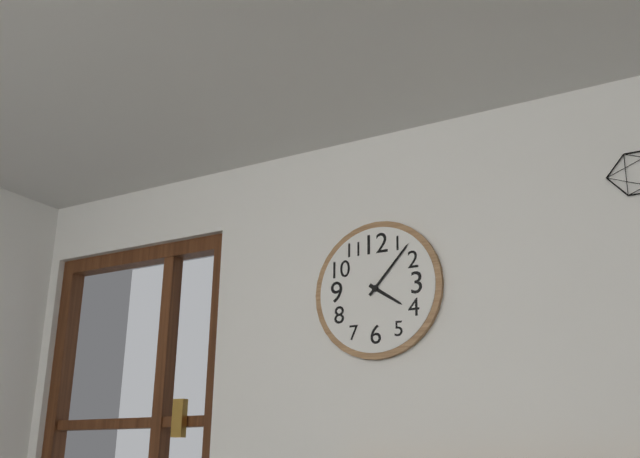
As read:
4 h 07 min
